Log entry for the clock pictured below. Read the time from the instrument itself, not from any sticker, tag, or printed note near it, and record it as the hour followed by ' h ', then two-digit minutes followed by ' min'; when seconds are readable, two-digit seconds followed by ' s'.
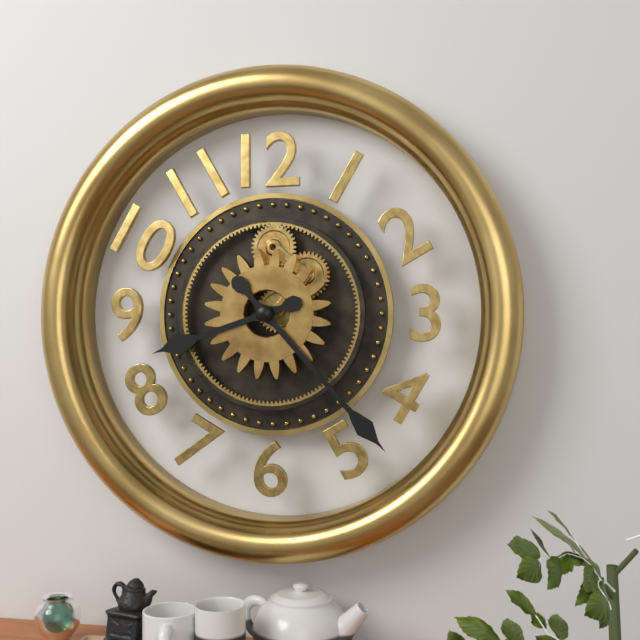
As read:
8 h 23 min
